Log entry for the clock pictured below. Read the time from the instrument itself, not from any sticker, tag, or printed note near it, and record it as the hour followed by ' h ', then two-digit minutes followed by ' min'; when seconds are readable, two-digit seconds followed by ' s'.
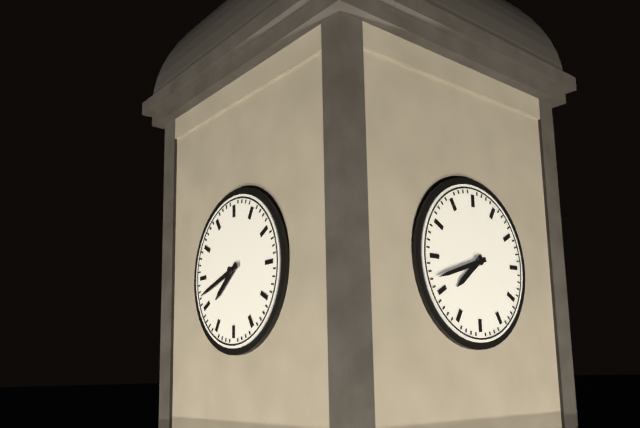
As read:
7 h 42 min
